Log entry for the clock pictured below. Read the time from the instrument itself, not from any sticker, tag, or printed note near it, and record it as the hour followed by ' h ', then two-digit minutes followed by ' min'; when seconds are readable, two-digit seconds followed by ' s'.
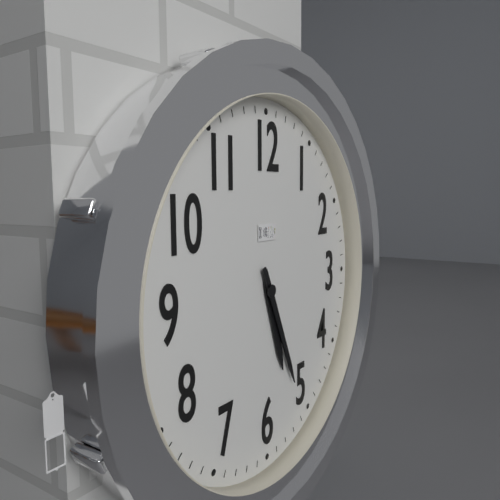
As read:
5 h 26 min
